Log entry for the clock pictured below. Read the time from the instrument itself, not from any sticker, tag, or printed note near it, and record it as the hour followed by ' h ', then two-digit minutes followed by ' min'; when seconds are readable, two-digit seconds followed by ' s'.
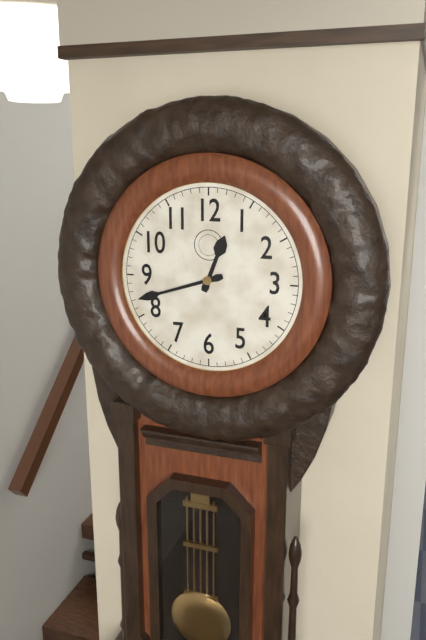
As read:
12 h 42 min
